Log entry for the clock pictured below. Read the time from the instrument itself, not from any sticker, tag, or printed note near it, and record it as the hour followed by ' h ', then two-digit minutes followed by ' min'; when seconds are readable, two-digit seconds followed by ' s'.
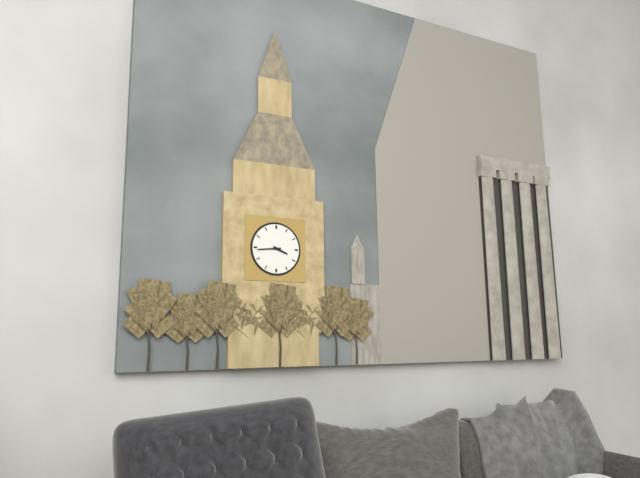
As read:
3 h 44 min
